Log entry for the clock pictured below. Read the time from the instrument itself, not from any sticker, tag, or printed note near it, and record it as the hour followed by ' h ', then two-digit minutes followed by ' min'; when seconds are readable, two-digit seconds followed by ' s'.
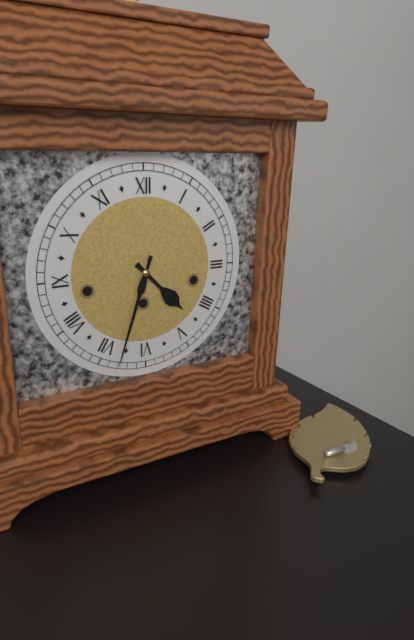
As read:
4 h 33 min
